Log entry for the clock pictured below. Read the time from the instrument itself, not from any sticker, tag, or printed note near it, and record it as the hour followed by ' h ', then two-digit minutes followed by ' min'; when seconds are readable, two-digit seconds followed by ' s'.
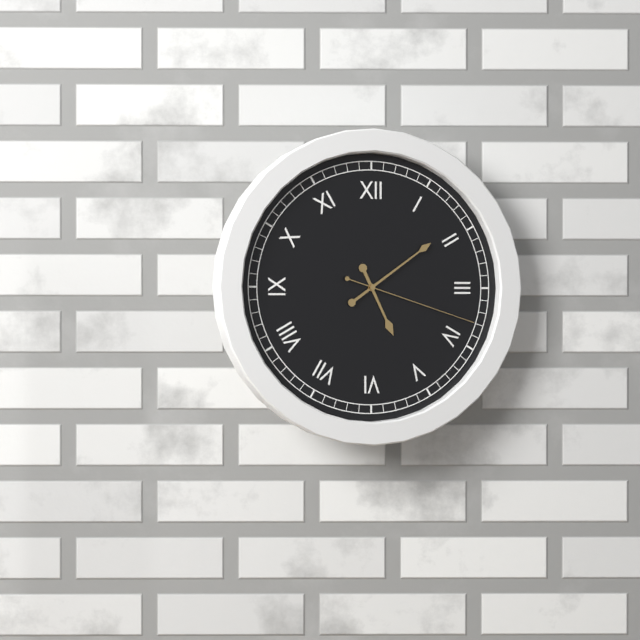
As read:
5 h 09 min 18 s
